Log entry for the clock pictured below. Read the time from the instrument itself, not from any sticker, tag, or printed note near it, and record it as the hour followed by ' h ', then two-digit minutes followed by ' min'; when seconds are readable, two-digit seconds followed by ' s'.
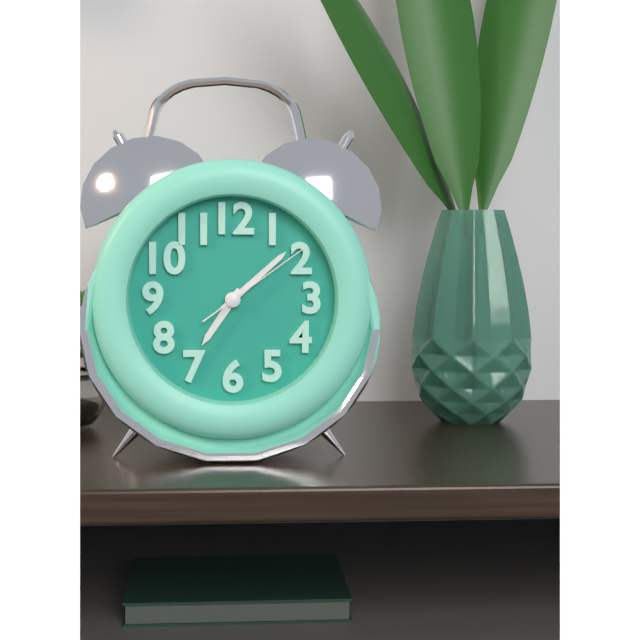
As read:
7 h 08 min 09 s
